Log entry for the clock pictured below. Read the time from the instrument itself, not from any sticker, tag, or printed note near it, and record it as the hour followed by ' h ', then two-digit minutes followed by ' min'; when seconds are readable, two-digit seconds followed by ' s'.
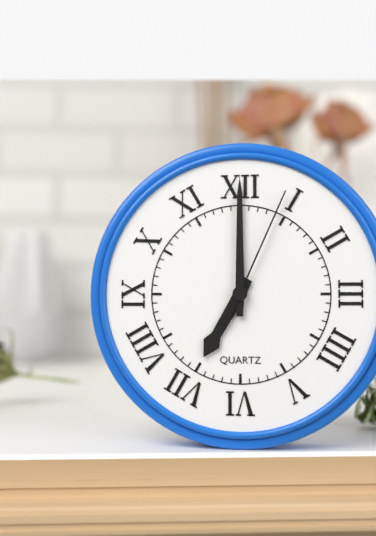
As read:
7 h 00 min 04 s
